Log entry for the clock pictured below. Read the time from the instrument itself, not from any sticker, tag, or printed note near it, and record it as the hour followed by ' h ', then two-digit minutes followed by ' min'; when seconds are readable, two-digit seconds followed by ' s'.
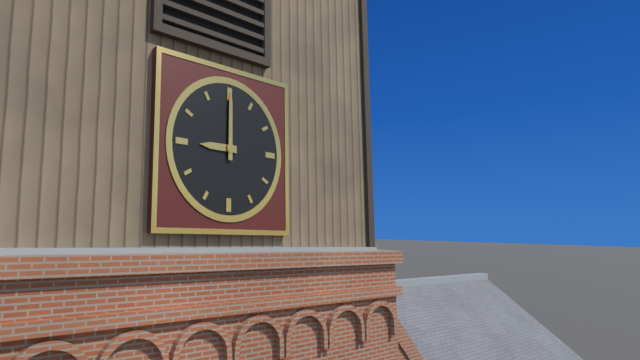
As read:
9 h 00 min
